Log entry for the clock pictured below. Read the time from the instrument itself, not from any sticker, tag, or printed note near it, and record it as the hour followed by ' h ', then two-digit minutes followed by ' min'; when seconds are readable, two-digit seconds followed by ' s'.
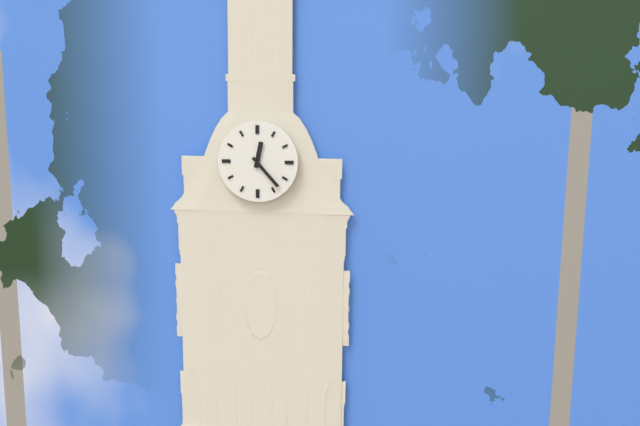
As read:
12 h 23 min
